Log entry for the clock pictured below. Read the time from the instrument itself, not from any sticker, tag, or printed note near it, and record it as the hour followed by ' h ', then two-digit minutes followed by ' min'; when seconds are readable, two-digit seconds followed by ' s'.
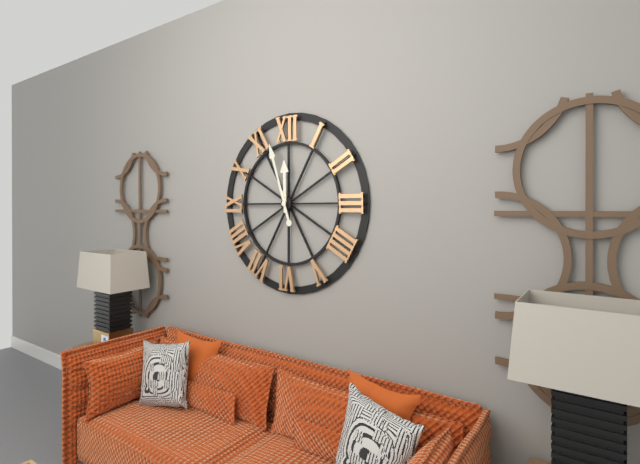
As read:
11 h 57 min
